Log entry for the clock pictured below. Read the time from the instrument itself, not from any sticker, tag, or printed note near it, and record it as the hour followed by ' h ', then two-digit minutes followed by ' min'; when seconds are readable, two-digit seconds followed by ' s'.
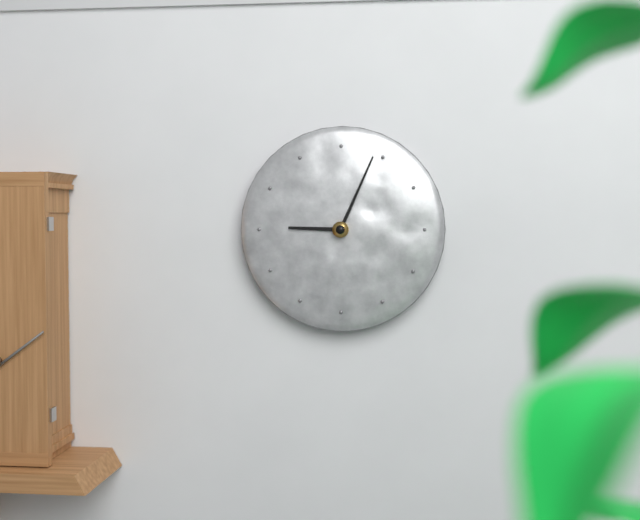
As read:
9 h 04 min
